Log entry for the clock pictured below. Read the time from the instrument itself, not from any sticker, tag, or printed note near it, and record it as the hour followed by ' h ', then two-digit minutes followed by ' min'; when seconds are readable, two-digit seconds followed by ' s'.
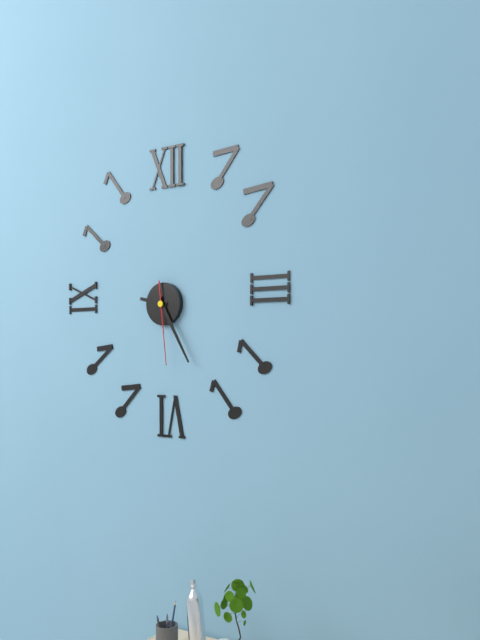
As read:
9 h 25 min 29 s
